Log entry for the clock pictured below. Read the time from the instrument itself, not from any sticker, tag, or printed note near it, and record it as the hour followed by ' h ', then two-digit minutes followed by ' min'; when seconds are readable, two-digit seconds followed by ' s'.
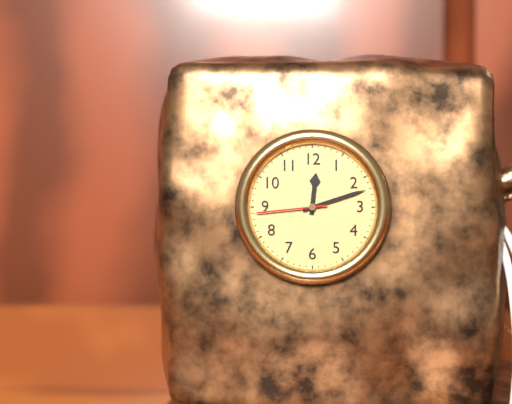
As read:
12 h 12 min 44 s
